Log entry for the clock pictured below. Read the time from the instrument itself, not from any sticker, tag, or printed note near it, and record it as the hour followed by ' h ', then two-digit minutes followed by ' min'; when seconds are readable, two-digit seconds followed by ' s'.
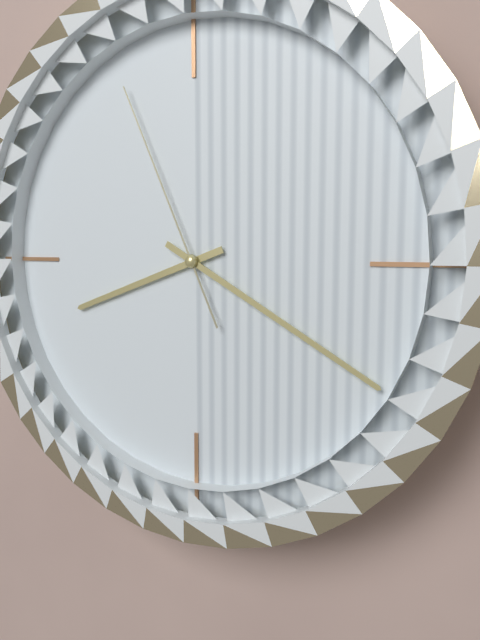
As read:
8 h 20 min 56 s
